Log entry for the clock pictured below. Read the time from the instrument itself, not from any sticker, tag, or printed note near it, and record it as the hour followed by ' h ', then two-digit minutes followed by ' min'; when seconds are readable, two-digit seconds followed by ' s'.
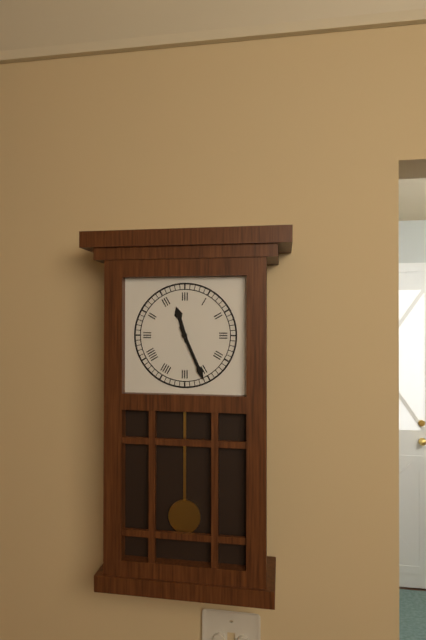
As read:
11 h 26 min
